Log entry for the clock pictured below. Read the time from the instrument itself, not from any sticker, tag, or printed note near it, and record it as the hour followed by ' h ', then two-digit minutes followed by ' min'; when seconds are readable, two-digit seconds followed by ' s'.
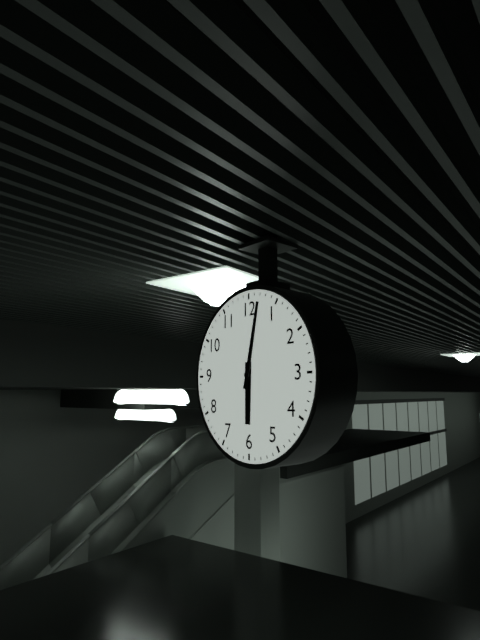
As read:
6 h 02 min
